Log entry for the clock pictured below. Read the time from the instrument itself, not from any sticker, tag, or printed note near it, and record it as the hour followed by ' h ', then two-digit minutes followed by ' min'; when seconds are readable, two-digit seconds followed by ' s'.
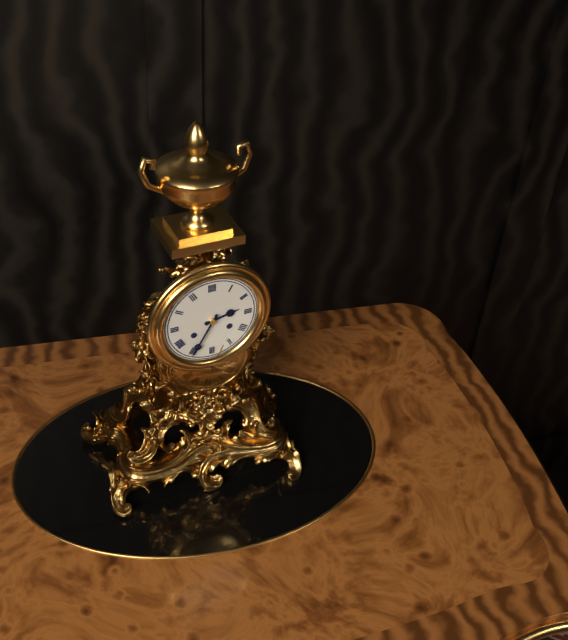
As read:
2 h 35 min
